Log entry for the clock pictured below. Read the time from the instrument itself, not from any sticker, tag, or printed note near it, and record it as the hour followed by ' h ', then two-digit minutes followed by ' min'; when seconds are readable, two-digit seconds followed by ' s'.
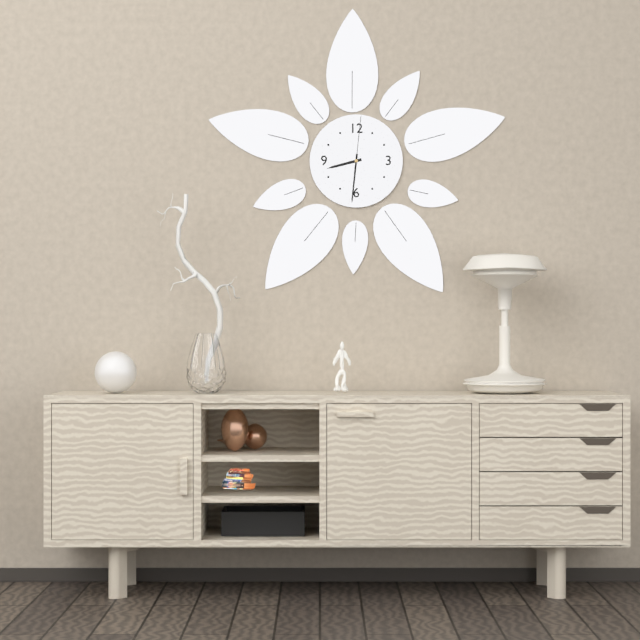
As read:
8 h 31 min 01 s
